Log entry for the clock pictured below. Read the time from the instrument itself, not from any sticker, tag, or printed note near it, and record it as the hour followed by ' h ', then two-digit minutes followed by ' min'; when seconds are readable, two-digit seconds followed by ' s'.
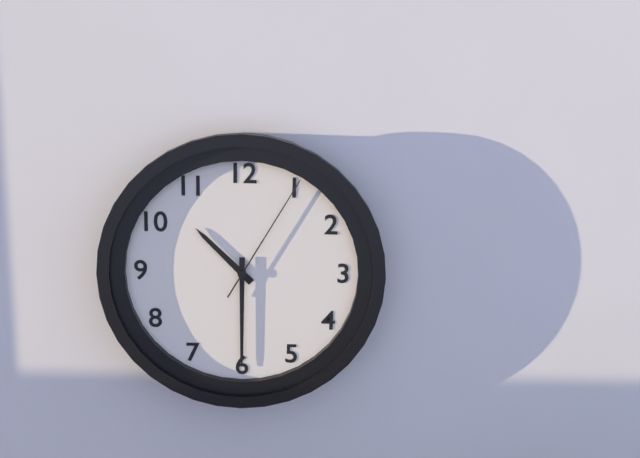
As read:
10 h 30 min 05 s
